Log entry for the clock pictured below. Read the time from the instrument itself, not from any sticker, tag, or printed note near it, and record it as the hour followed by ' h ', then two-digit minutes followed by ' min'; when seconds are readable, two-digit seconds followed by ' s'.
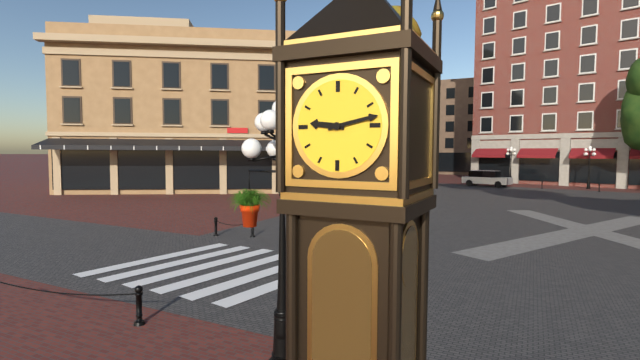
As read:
9 h 13 min
